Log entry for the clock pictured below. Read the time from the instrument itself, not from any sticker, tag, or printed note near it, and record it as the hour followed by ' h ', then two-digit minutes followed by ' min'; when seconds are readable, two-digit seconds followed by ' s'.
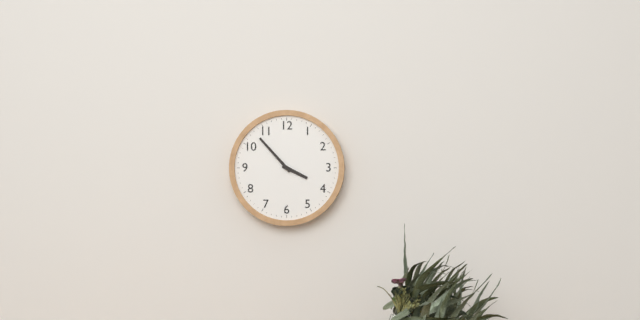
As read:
3 h 53 min
